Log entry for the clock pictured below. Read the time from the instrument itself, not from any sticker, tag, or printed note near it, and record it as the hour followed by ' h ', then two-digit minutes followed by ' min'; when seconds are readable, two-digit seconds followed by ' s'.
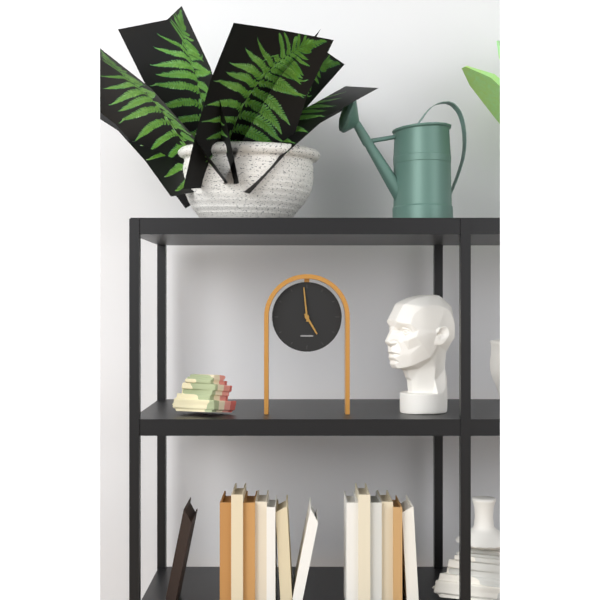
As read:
4 h 59 min
